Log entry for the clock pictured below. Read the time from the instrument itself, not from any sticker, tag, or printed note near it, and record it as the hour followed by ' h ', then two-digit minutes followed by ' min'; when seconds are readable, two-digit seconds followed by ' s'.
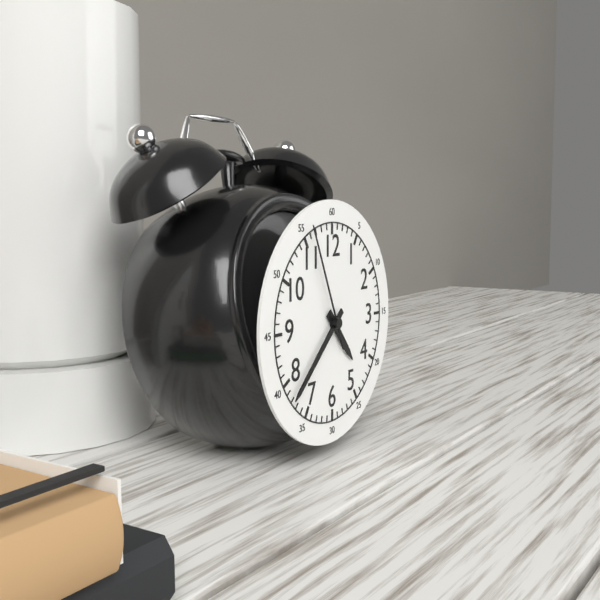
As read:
4 h 38 min 56 s
